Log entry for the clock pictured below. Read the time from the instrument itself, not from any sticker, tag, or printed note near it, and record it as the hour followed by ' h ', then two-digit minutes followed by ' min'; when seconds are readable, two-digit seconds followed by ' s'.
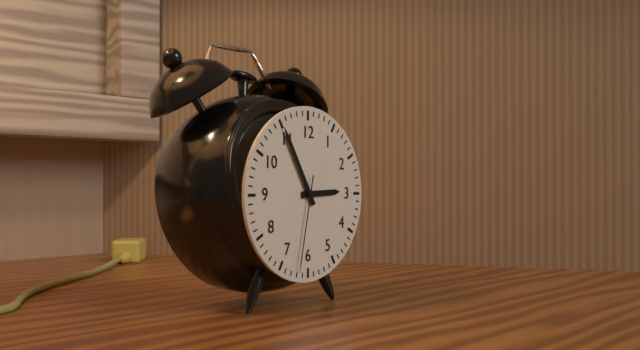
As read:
2 h 55 min 32 s
